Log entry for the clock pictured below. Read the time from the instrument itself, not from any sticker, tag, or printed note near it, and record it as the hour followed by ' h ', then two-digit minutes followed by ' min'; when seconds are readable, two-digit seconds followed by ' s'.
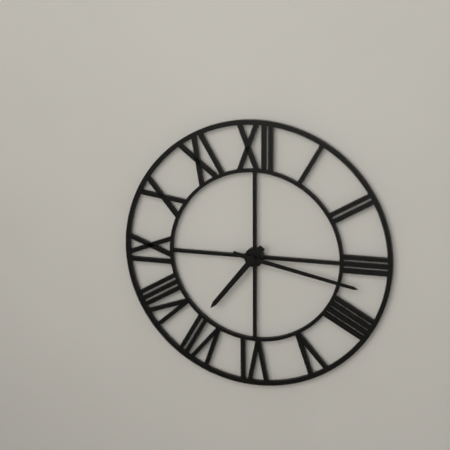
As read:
7 h 17 min
